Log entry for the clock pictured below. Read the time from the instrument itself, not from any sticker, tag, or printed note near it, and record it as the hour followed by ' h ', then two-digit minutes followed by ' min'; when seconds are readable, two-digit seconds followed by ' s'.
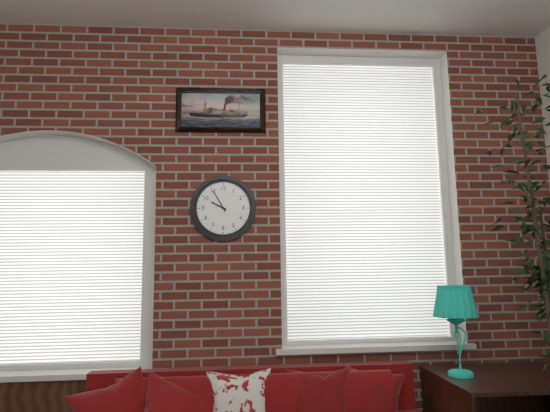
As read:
9 h 55 min
